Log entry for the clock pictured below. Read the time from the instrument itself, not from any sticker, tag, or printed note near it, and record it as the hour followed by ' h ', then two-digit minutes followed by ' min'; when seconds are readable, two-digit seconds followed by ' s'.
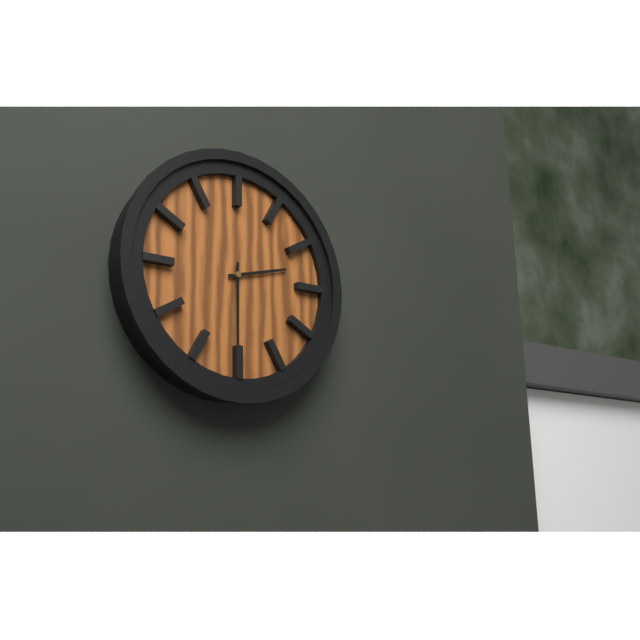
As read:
2 h 30 min
